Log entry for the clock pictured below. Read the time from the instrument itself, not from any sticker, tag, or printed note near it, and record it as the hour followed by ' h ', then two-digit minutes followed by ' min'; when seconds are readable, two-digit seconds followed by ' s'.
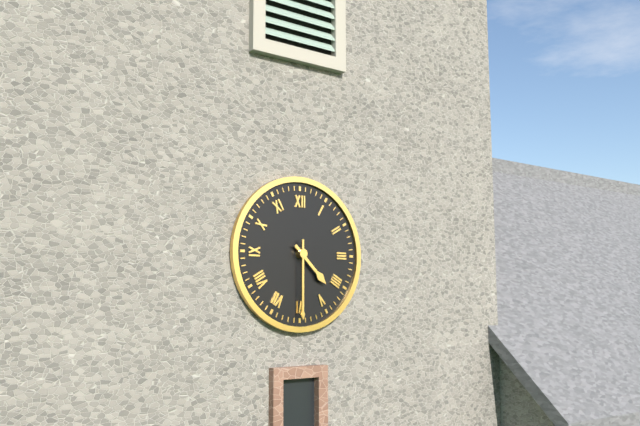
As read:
4 h 30 min
